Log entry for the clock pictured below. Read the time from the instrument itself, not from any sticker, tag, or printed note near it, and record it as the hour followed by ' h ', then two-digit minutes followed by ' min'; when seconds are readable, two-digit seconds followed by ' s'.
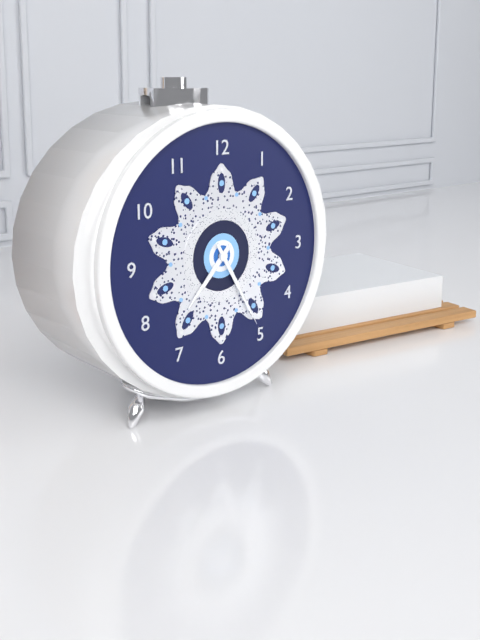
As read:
7 h 25 min
